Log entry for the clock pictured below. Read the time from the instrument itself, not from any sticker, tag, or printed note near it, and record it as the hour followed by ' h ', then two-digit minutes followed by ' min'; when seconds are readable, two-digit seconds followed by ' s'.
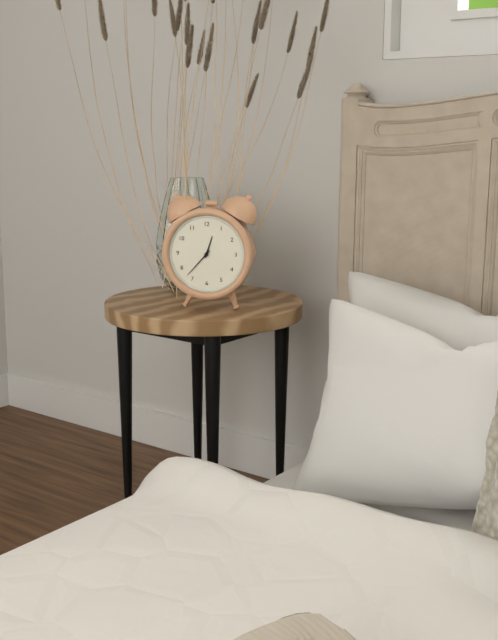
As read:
12 h 37 min
